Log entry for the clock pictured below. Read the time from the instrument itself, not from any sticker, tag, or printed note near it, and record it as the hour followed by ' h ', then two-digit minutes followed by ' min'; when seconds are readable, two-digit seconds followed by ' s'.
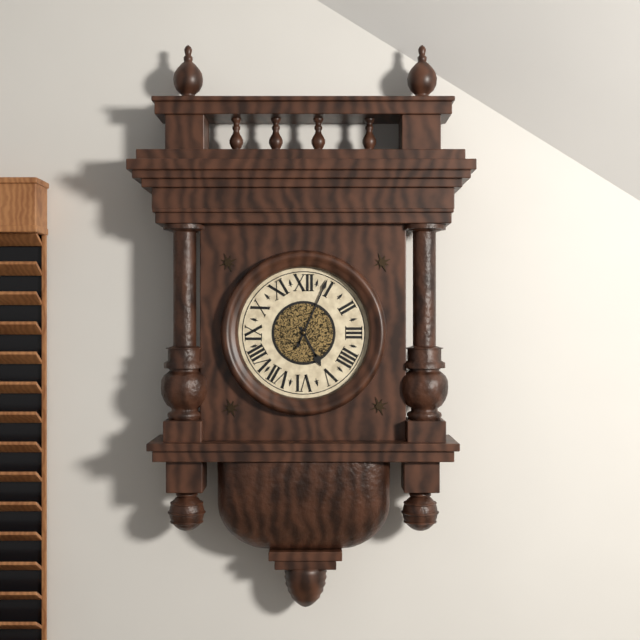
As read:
5 h 04 min
